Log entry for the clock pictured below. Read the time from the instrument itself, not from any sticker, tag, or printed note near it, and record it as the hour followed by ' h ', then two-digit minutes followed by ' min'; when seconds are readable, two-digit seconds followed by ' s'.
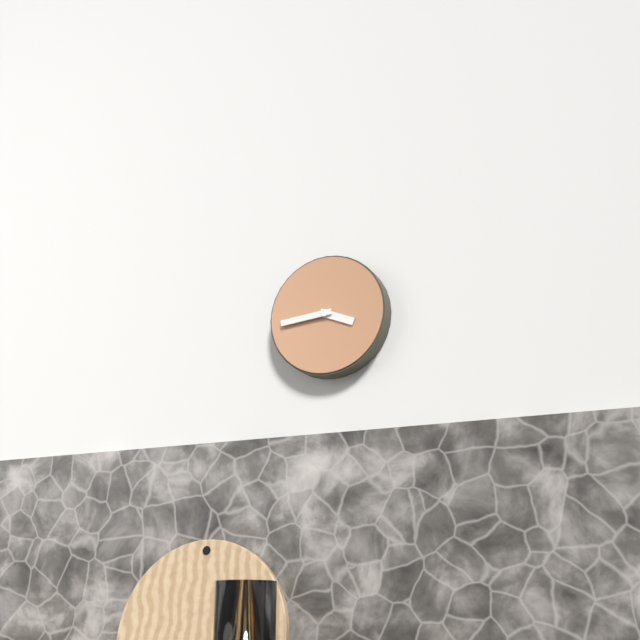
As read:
3 h 44 min
